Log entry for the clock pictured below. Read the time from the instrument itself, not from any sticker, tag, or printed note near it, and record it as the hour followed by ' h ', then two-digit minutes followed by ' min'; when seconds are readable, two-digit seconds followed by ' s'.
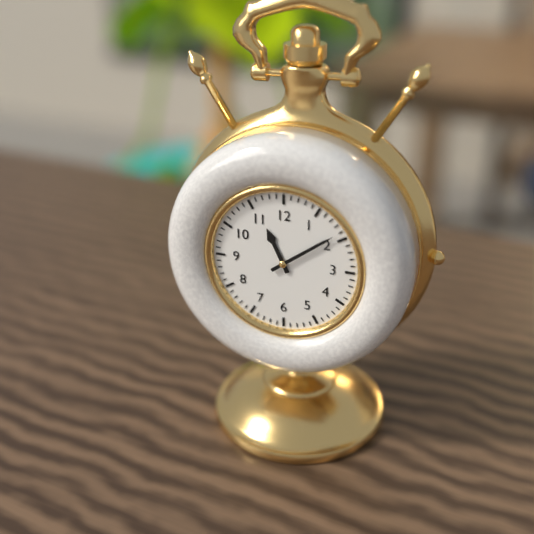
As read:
11 h 09 min
